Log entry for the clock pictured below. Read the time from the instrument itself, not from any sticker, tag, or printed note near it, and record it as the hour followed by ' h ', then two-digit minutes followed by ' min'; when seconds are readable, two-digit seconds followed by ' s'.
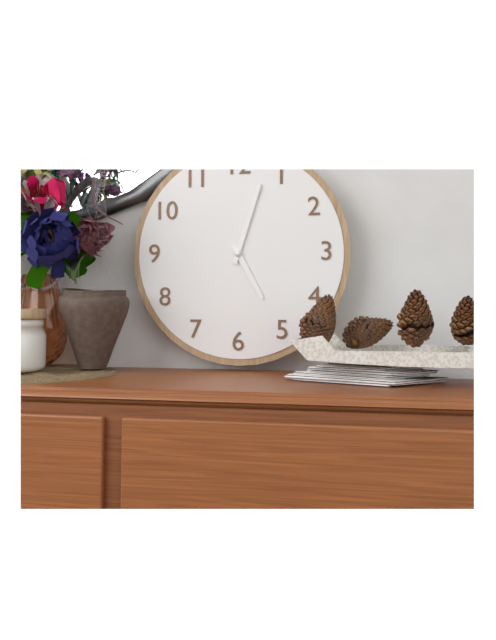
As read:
5 h 03 min
